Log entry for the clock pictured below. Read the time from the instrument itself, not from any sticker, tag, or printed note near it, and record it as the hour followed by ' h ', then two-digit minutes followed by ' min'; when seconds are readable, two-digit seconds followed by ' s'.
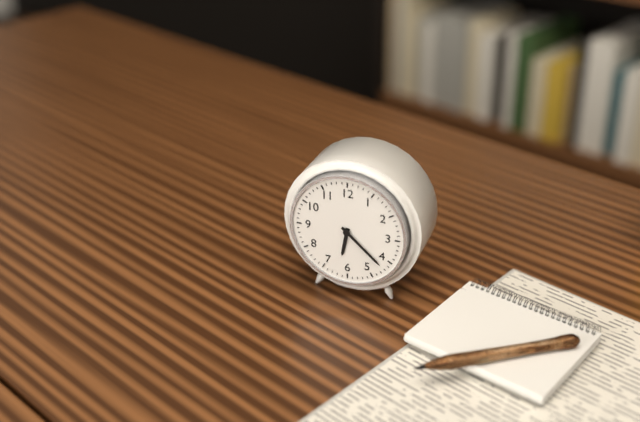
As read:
6 h 22 min
